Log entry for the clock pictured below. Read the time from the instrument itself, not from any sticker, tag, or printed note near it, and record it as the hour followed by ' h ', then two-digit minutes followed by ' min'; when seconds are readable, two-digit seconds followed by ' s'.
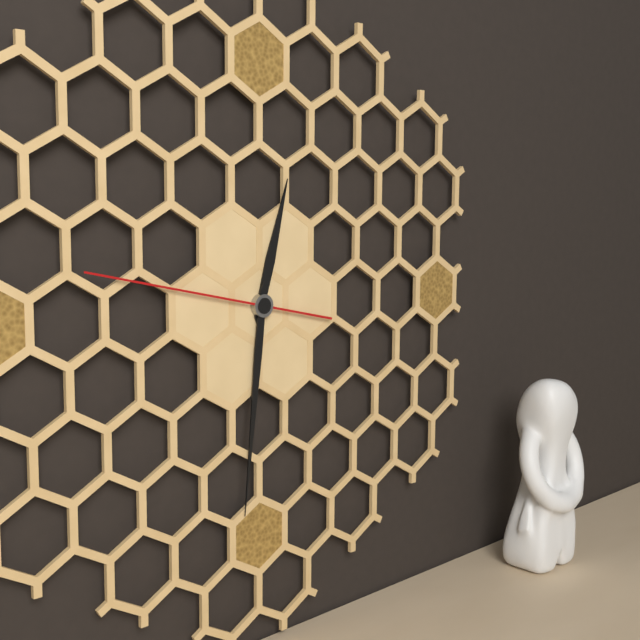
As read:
12 h 31 min 47 s
